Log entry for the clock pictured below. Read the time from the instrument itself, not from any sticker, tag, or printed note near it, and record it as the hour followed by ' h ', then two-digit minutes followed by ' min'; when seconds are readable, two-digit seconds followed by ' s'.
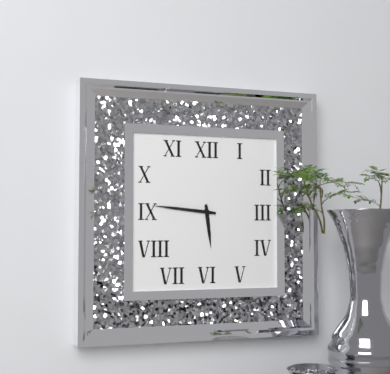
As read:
5 h 46 min
